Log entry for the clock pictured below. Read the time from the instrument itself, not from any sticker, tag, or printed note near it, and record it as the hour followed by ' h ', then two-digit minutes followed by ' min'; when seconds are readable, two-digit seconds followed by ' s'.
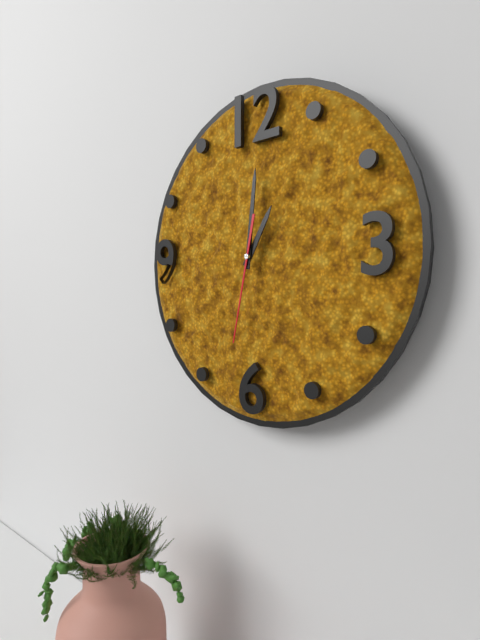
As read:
1 h 01 min 32 s
